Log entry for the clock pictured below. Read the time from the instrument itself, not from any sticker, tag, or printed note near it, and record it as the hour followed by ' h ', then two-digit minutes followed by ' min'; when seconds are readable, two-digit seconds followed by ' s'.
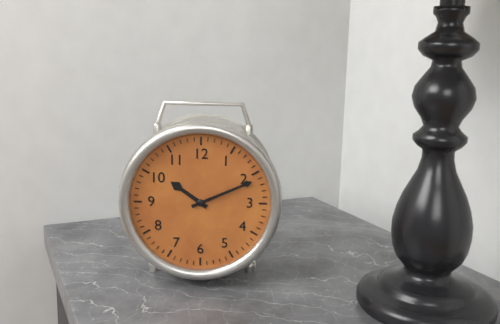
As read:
10 h 11 min
